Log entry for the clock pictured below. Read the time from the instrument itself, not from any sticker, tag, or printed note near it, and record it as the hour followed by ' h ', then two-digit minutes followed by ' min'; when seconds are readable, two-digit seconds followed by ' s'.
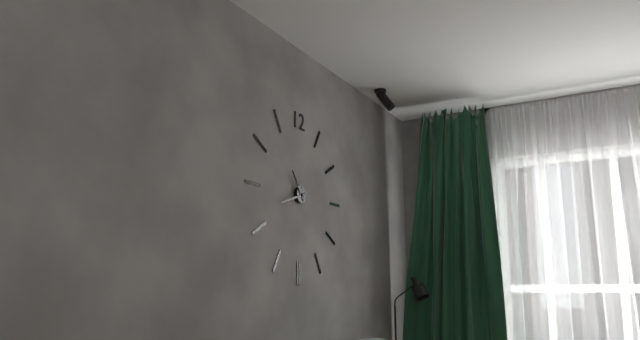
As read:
10 h 42 min
